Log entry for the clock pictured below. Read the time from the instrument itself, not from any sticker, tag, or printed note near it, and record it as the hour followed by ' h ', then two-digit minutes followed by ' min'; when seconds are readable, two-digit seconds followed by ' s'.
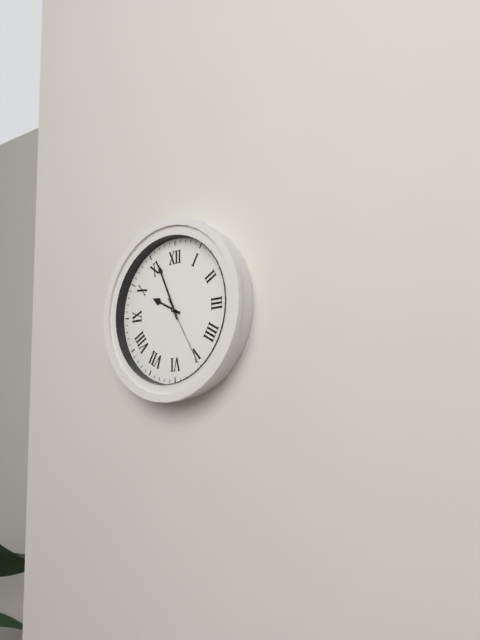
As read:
9 h 56 min 25 s
